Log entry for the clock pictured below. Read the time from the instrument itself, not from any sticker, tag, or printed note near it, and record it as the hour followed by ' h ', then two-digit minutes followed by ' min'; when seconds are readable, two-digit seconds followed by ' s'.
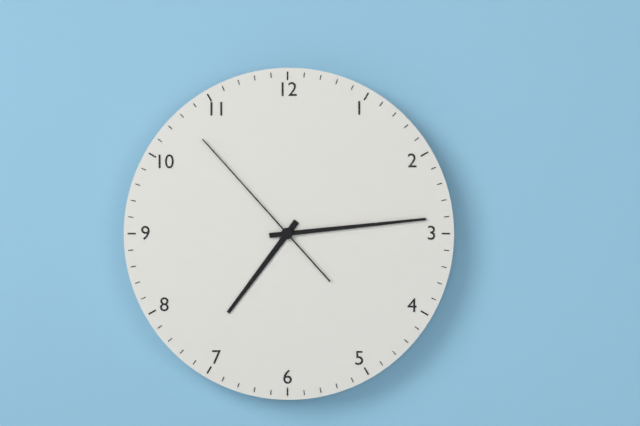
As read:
7 h 14 min 53 s
